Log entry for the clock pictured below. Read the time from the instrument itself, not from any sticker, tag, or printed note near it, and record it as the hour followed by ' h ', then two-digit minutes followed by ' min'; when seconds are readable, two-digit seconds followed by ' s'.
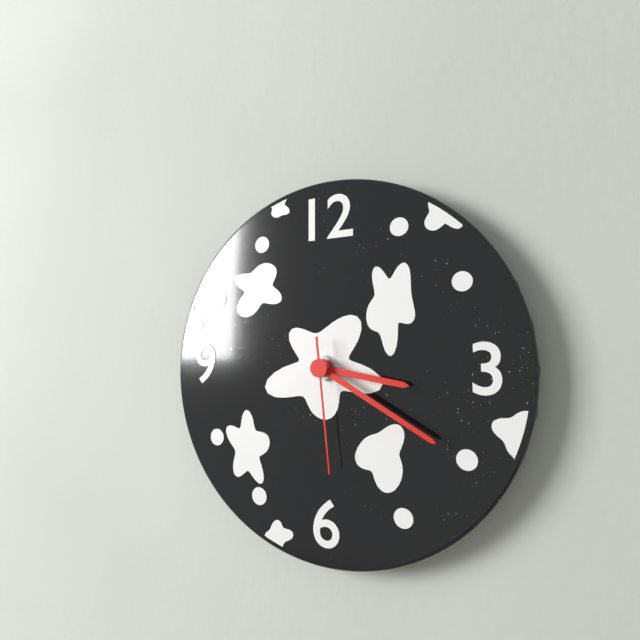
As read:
3 h 20 min 29 s
